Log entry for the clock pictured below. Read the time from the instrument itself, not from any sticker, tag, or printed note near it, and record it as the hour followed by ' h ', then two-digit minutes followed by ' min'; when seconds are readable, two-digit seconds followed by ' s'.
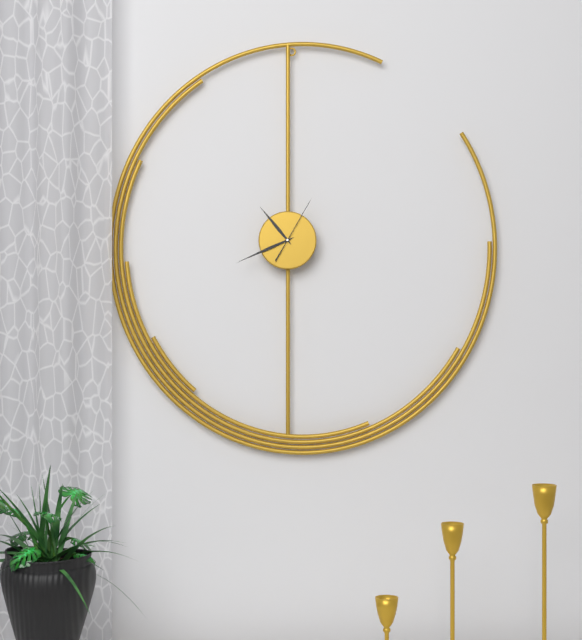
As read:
10 h 41 min 05 s
